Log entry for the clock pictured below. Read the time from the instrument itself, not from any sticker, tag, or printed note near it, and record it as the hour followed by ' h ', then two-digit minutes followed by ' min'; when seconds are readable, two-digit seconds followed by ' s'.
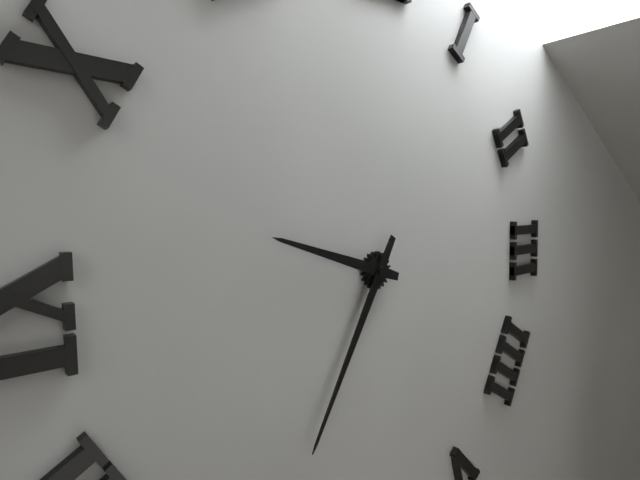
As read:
9 h 35 min
